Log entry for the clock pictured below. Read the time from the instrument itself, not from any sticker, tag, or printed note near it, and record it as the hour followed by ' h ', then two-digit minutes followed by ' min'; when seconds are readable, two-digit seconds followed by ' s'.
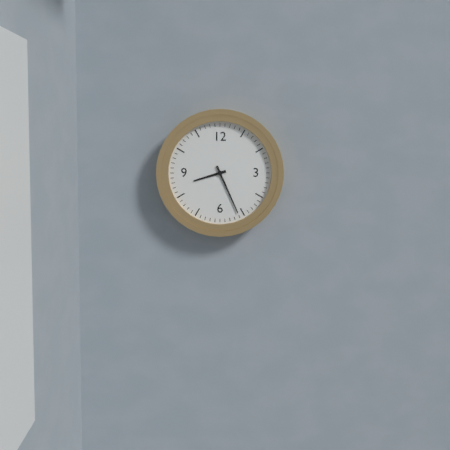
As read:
8 h 26 min
